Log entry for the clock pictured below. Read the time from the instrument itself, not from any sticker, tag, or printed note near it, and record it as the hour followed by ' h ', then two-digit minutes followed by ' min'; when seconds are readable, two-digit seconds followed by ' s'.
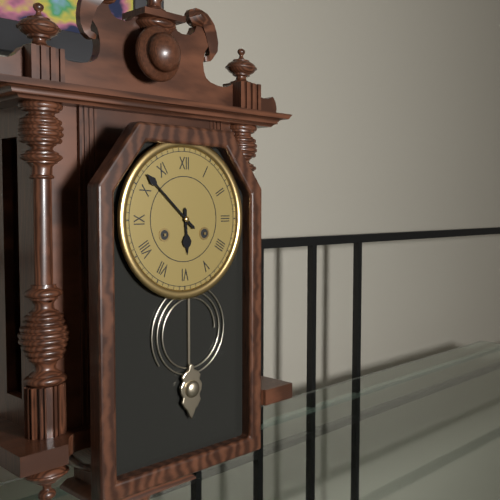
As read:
5 h 52 min
